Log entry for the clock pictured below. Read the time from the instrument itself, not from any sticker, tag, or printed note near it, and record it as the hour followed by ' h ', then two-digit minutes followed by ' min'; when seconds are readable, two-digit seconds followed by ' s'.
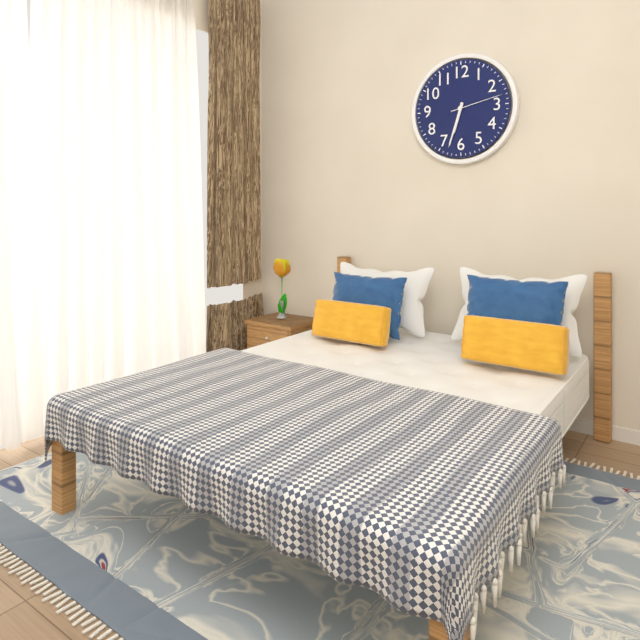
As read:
6 h 33 min 13 s
